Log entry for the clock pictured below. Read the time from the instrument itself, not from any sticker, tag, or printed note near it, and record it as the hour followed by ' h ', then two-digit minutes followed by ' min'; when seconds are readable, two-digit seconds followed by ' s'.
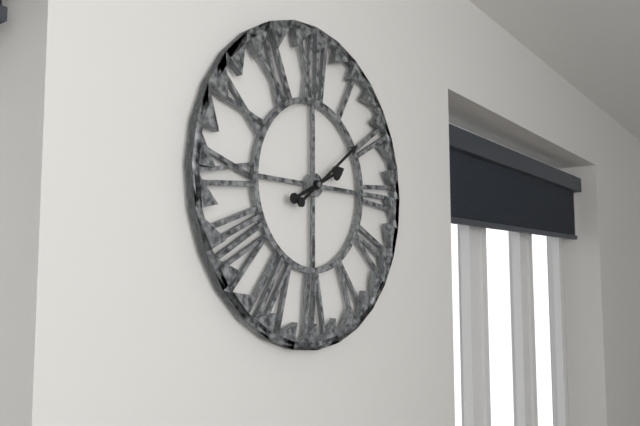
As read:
2 h 09 min
